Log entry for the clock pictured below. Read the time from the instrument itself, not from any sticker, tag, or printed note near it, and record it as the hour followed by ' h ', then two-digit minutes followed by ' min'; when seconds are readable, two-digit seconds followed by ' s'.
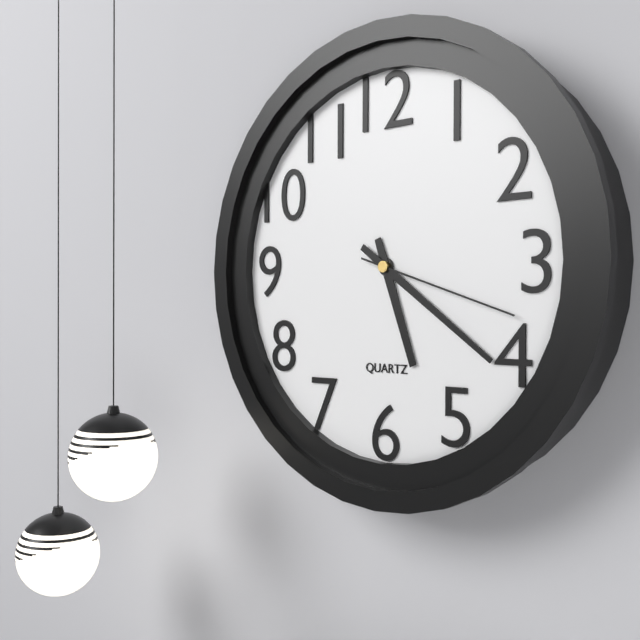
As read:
5 h 21 min 18 s
